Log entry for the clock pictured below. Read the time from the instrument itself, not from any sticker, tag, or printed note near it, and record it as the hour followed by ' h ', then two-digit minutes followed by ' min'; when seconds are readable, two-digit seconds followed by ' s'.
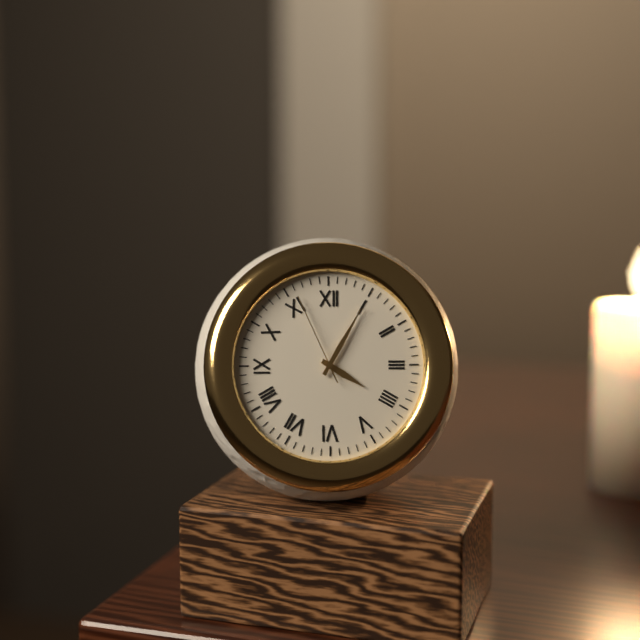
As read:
4 h 05 min 56 s
